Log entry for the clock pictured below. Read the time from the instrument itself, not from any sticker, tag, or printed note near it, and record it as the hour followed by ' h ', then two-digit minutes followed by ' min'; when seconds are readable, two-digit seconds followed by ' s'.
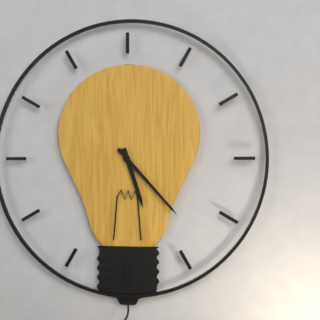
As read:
5 h 23 min
